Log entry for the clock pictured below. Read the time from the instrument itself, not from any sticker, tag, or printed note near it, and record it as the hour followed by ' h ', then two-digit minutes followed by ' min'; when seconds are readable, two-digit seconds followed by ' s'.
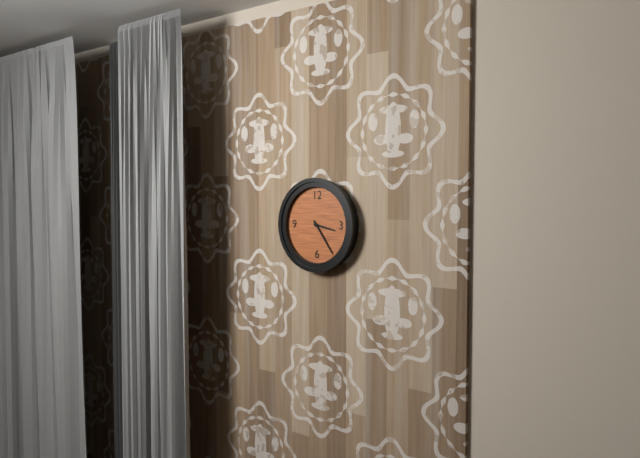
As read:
3 h 24 min
